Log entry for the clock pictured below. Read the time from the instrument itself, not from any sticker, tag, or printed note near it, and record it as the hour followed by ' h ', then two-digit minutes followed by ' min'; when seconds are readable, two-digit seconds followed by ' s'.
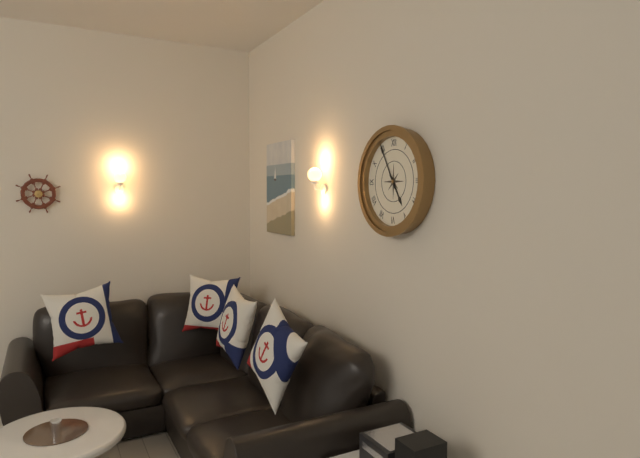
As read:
4 h 55 min
